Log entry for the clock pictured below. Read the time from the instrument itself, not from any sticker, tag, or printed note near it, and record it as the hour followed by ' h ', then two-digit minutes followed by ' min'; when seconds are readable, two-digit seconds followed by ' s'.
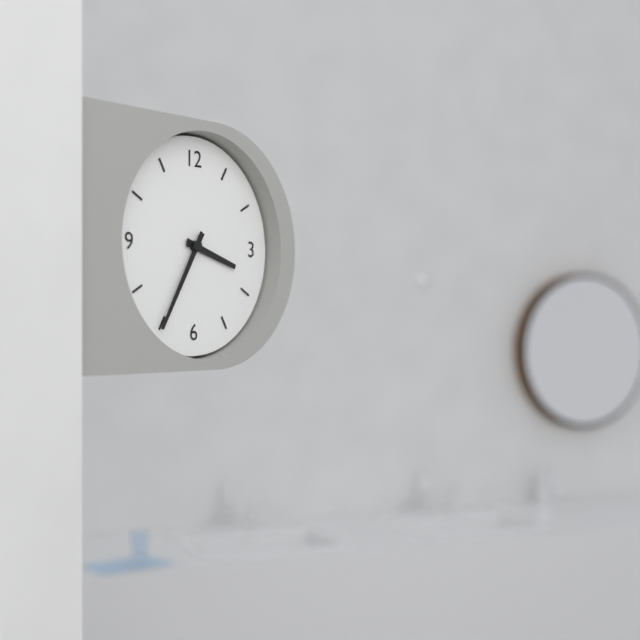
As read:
3 h 35 min
